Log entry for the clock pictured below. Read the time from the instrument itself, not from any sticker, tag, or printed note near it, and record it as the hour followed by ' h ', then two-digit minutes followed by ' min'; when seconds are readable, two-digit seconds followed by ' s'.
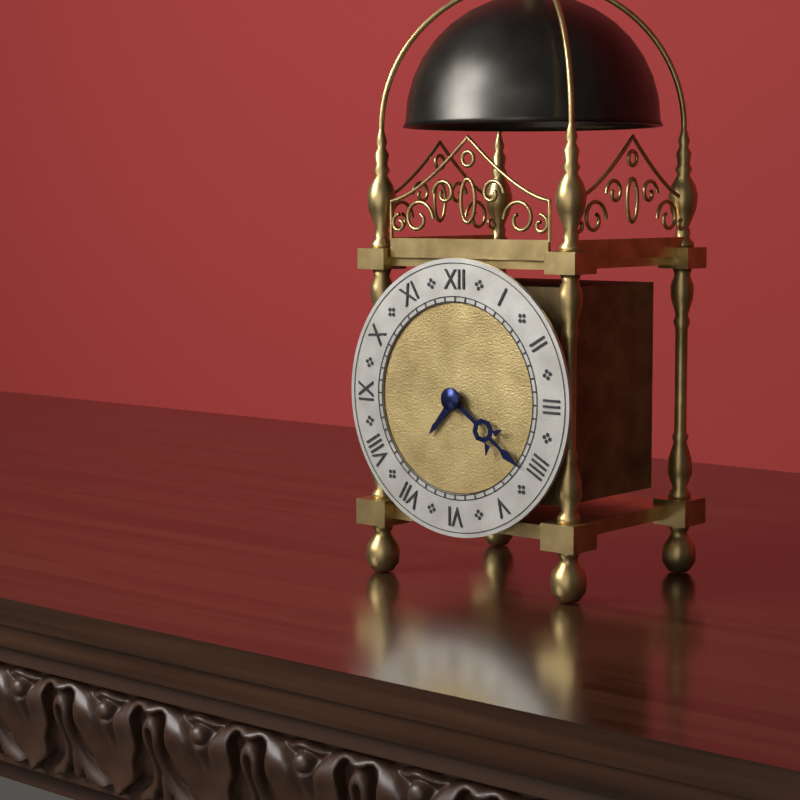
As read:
7 h 21 min
